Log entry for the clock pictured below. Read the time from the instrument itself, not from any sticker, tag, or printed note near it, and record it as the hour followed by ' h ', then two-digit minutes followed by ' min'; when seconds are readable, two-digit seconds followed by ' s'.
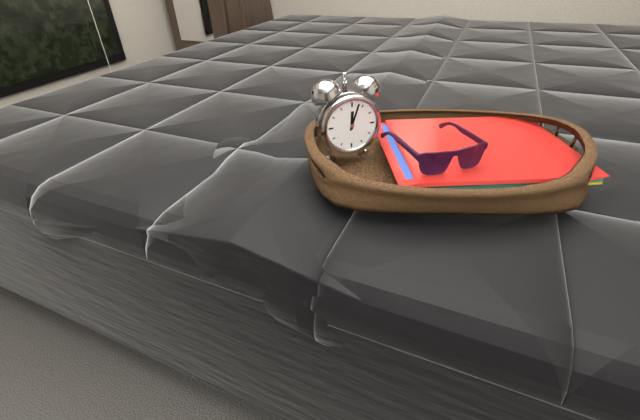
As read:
12 h 03 min
